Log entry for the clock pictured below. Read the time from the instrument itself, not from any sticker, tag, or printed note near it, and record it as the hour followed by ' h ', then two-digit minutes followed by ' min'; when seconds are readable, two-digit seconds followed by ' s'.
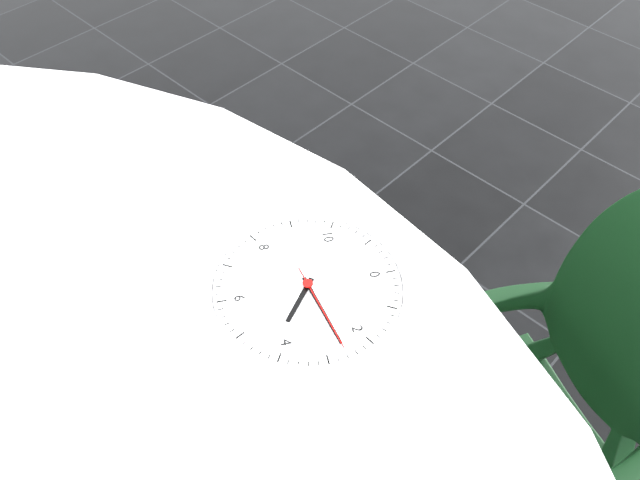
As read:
4 h 13 min 13 s
